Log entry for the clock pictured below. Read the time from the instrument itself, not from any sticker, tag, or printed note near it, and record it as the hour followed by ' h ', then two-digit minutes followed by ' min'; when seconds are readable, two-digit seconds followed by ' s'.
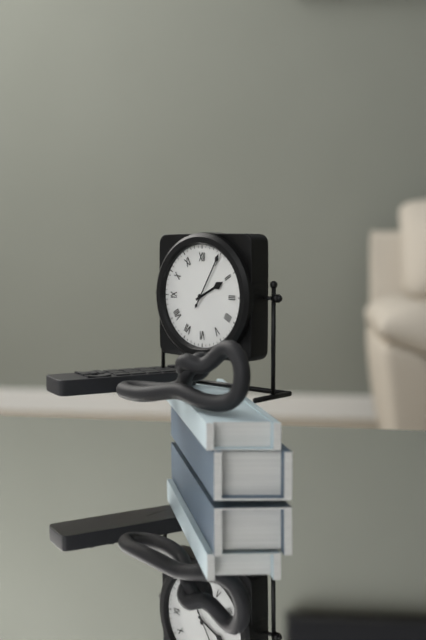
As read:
2 h 05 min
